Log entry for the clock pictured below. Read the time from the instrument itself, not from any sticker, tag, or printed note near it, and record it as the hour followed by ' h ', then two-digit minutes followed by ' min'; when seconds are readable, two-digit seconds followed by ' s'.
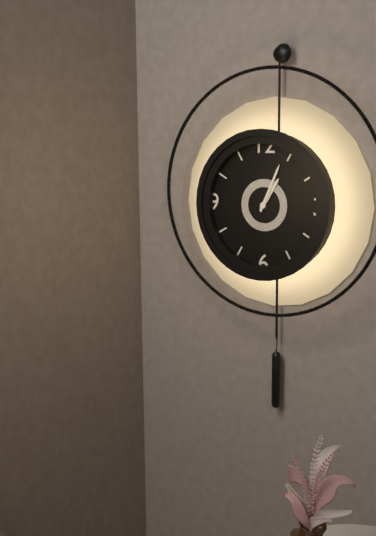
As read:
1 h 04 min
